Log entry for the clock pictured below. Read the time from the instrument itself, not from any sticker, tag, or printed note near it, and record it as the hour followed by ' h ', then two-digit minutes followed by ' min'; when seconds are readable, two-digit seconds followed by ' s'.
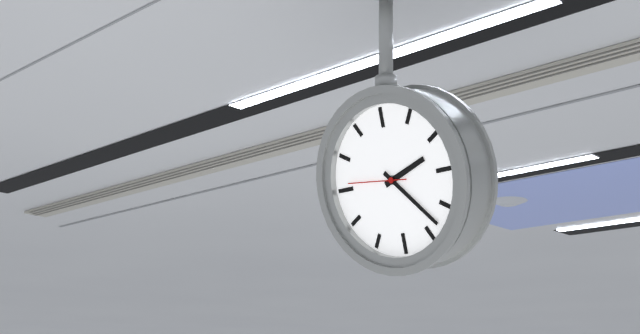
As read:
2 h 23 min 46 s
